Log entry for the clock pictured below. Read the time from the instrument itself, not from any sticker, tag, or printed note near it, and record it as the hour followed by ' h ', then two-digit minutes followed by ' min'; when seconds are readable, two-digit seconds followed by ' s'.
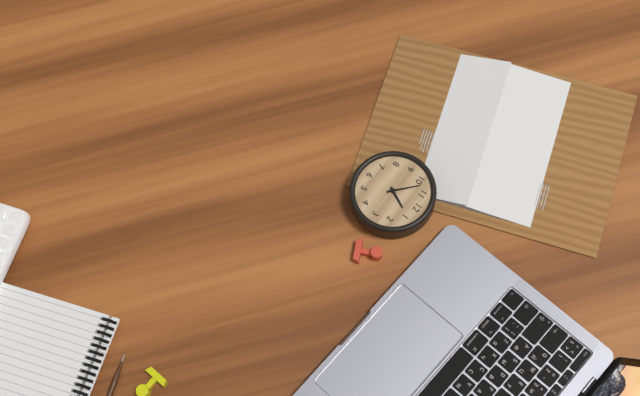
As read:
12 h 52 min
